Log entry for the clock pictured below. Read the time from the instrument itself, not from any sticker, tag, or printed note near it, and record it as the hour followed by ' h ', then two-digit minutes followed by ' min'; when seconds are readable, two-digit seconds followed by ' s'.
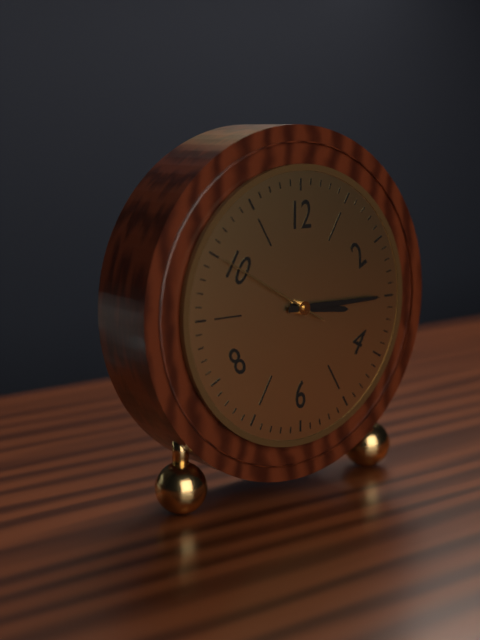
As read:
3 h 15 min 50 s
